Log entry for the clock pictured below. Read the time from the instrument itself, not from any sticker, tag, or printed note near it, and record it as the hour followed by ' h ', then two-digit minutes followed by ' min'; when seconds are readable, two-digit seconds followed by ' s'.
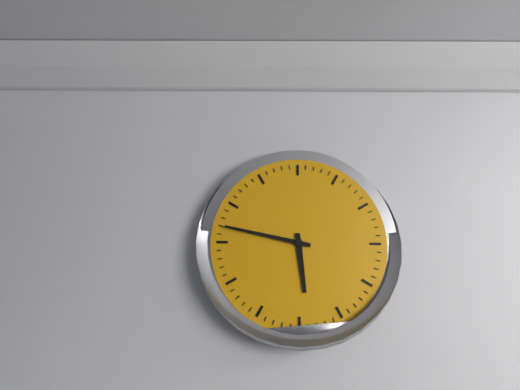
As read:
5 h 47 min
